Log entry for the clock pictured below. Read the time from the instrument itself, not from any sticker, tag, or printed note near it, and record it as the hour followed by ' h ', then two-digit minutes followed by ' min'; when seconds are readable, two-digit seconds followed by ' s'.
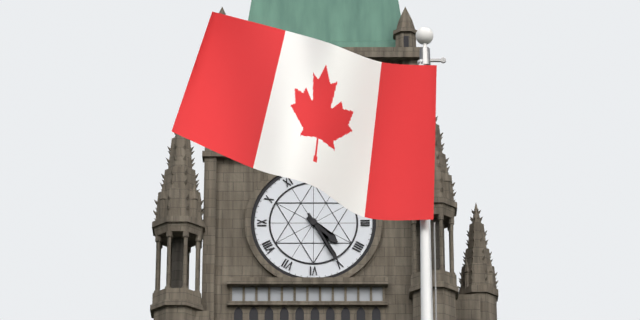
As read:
4 h 25 min
